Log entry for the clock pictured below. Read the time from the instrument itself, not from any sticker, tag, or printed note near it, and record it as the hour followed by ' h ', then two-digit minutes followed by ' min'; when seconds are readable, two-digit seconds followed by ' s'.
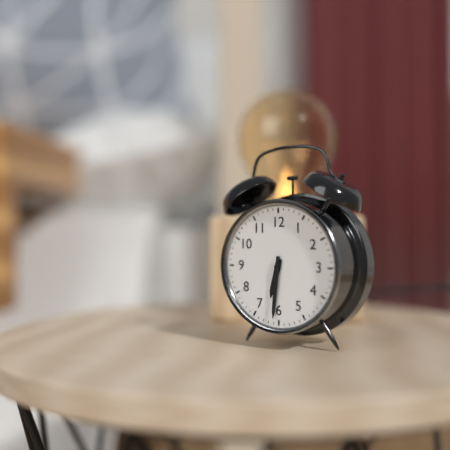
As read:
6 h 31 min
